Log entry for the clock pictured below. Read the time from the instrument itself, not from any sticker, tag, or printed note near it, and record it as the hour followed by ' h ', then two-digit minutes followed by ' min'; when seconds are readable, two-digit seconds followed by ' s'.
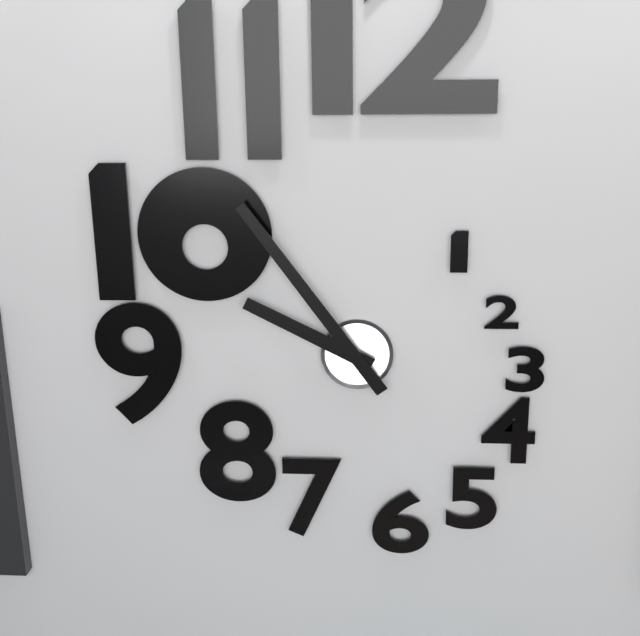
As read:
9 h 54 min
